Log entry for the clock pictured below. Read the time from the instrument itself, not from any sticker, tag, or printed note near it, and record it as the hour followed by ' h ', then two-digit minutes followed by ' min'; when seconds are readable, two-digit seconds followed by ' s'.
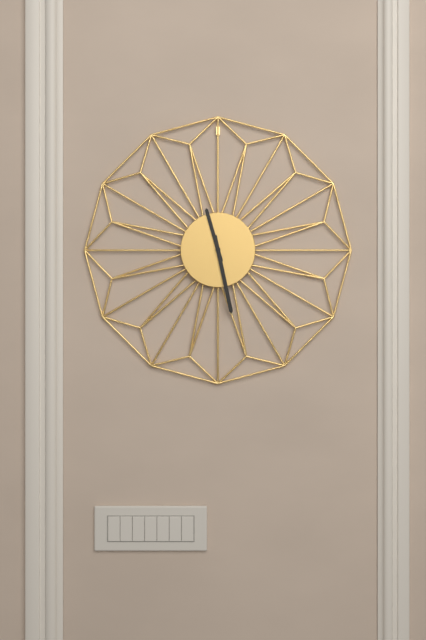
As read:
11 h 28 min
